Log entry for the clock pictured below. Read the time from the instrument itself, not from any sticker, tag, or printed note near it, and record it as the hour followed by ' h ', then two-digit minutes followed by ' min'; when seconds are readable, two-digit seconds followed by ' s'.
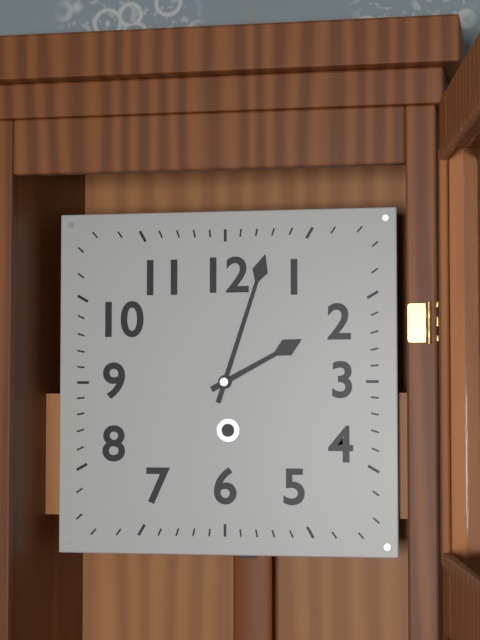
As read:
2 h 03 min
